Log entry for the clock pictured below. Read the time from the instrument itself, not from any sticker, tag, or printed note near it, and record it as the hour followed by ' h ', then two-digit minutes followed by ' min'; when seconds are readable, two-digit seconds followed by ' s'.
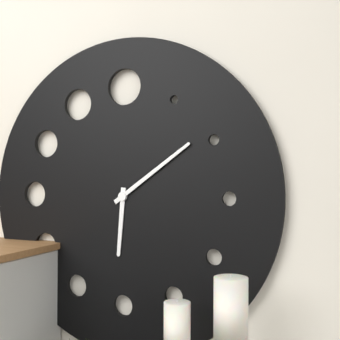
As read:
6 h 09 min
